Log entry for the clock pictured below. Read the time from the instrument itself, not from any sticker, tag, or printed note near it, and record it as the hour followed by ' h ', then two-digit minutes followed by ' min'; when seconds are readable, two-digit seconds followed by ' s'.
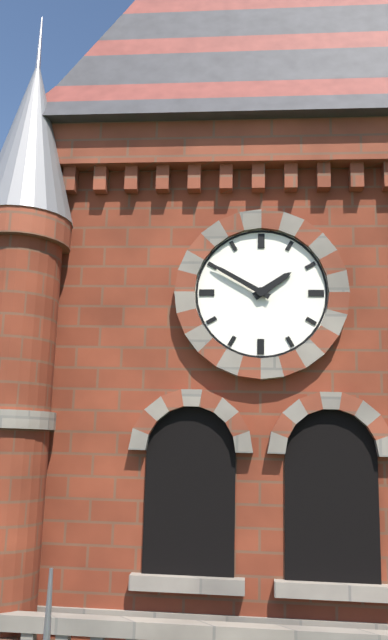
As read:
1 h 50 min
